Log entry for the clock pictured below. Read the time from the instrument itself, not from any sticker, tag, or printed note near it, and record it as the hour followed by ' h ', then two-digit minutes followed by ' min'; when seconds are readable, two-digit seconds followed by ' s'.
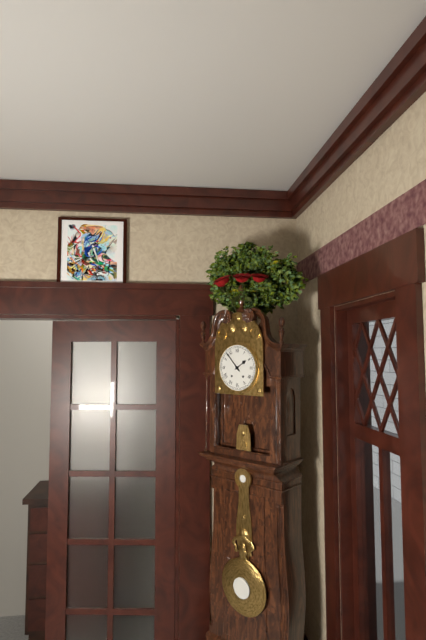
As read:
1 h 53 min
